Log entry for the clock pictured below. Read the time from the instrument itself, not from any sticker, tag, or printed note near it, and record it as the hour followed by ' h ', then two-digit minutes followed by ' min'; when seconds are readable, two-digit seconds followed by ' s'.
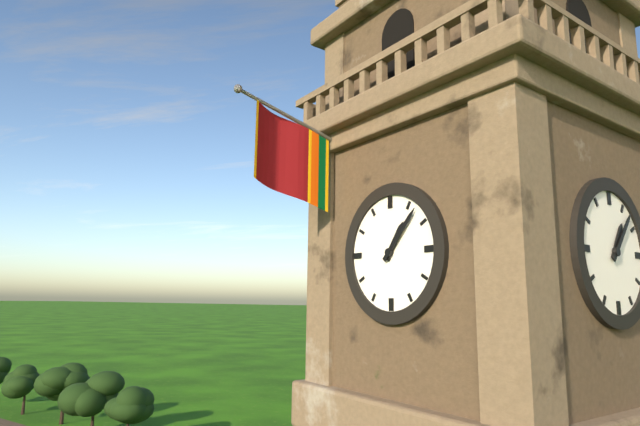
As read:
1 h 07 min
